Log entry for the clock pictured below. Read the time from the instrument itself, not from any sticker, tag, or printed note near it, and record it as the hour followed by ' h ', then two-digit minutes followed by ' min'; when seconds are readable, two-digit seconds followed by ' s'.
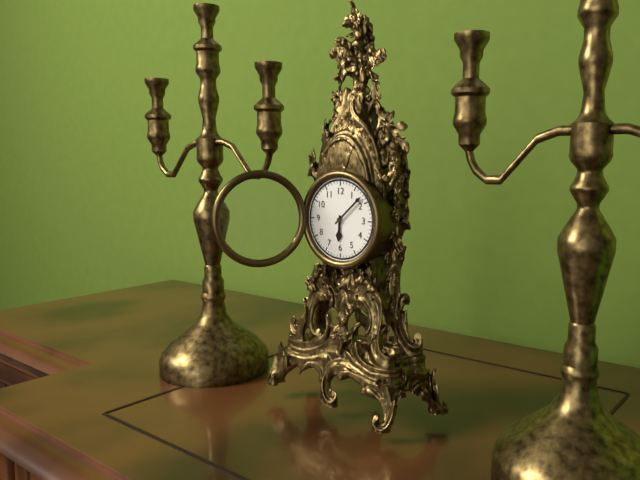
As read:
6 h 08 min
